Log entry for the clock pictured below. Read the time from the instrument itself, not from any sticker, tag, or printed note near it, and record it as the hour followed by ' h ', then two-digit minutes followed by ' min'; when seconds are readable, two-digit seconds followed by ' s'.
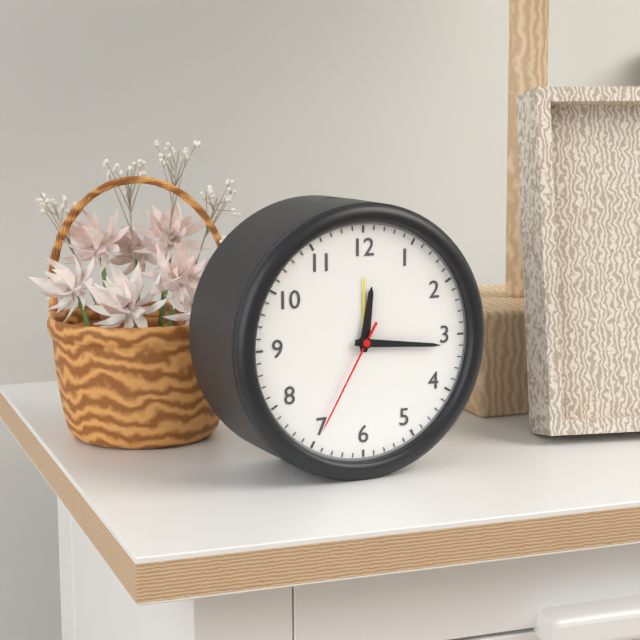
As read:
12 h 16 min 35 s
